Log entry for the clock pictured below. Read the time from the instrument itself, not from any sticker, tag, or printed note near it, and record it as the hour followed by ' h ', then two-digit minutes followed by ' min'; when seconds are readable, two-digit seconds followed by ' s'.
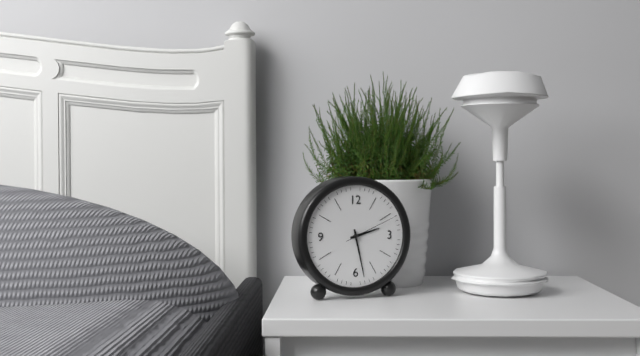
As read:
2 h 28 min 11 s
